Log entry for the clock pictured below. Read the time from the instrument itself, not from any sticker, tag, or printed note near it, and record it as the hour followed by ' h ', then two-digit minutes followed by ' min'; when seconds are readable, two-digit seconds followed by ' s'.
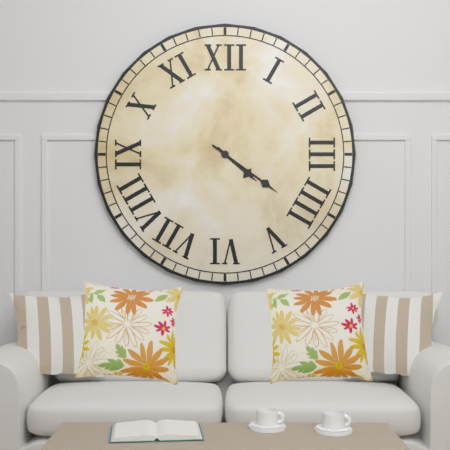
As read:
4 h 21 min
